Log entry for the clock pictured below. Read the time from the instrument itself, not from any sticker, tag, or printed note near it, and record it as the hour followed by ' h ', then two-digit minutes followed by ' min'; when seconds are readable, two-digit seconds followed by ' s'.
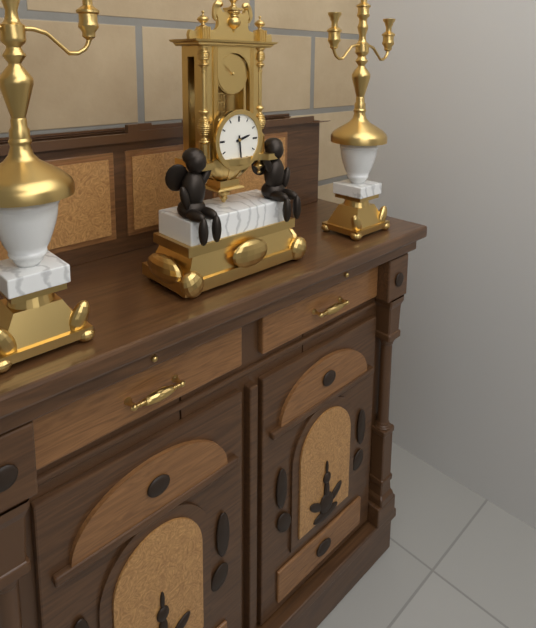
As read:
2 h 29 min
